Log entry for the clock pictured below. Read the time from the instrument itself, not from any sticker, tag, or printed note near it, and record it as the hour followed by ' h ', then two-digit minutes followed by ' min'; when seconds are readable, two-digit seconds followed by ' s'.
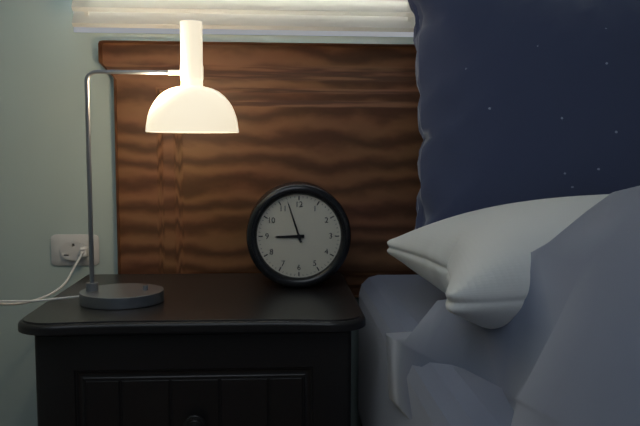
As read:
8 h 57 min
